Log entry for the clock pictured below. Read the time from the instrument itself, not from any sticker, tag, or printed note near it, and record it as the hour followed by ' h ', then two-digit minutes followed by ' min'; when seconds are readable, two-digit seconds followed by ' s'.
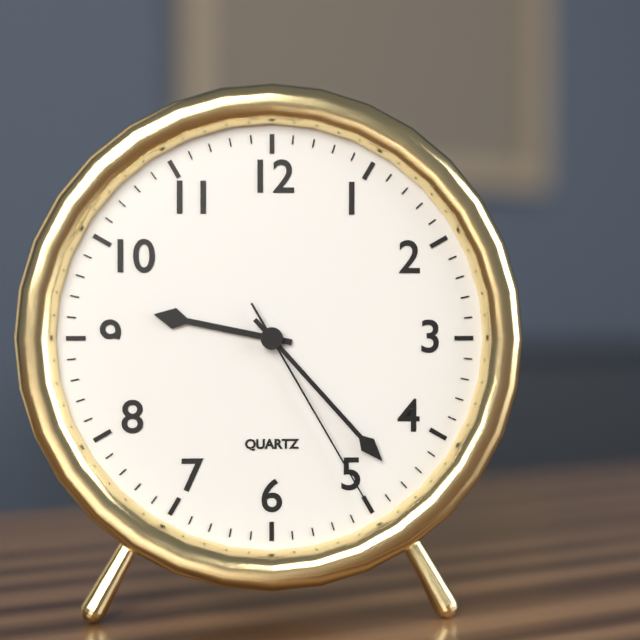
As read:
9 h 23 min 25 s
